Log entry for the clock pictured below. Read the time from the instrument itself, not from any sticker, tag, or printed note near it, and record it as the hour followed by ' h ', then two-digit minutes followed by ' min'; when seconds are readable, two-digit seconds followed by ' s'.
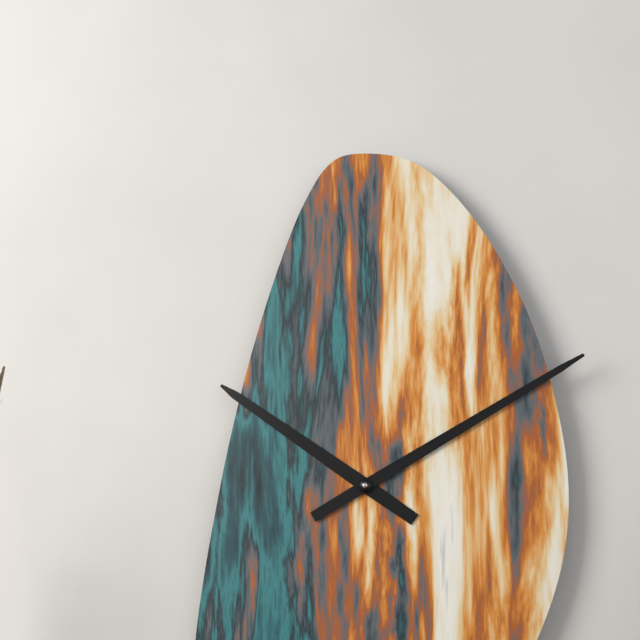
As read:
10 h 10 min
